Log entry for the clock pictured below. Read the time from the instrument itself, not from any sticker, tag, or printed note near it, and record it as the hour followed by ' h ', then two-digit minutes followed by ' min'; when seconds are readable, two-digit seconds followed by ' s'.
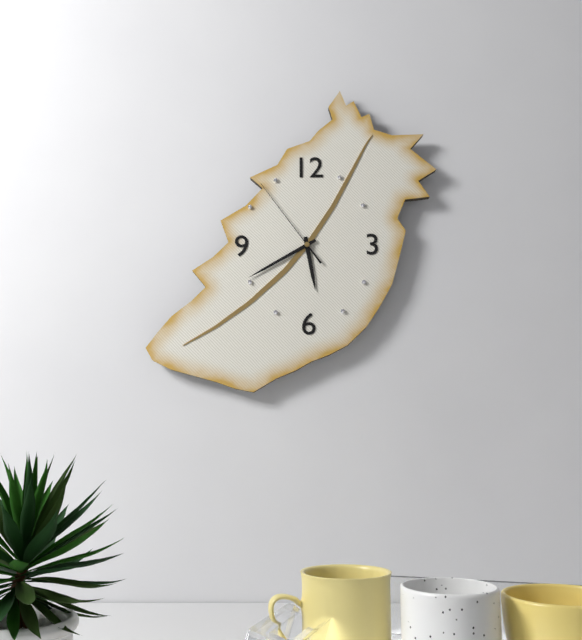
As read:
5 h 40 min 54 s
